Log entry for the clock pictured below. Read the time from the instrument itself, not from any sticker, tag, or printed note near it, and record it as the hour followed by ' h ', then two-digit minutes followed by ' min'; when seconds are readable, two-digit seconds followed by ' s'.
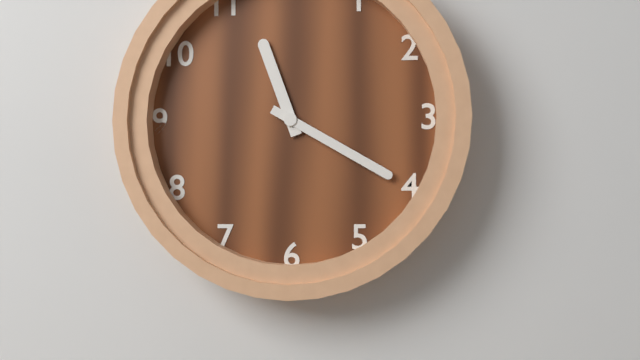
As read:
11 h 20 min
